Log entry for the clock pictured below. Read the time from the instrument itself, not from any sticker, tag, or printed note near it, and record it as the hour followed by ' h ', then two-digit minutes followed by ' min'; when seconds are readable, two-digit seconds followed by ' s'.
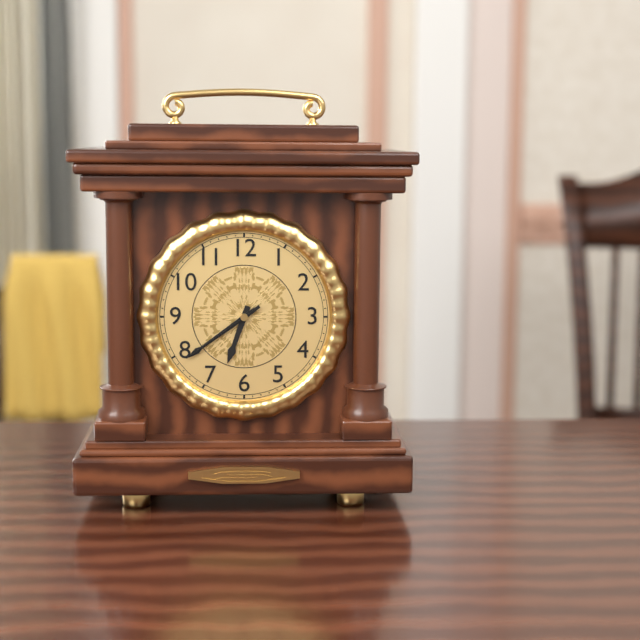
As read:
6 h 39 min 39 s
